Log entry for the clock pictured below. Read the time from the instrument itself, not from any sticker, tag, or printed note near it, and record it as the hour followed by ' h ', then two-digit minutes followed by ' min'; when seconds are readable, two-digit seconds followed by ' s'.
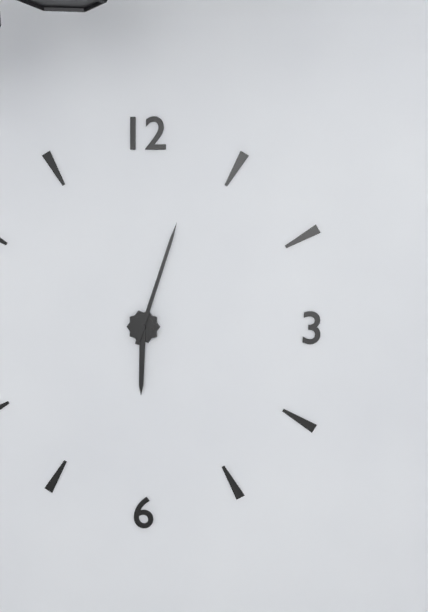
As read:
6 h 03 min
